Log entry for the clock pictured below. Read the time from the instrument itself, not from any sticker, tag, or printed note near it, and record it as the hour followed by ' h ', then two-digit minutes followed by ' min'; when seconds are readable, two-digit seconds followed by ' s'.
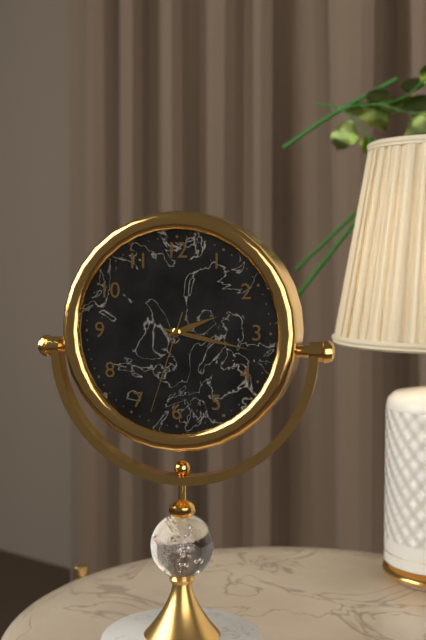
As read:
2 h 17 min 33 s
